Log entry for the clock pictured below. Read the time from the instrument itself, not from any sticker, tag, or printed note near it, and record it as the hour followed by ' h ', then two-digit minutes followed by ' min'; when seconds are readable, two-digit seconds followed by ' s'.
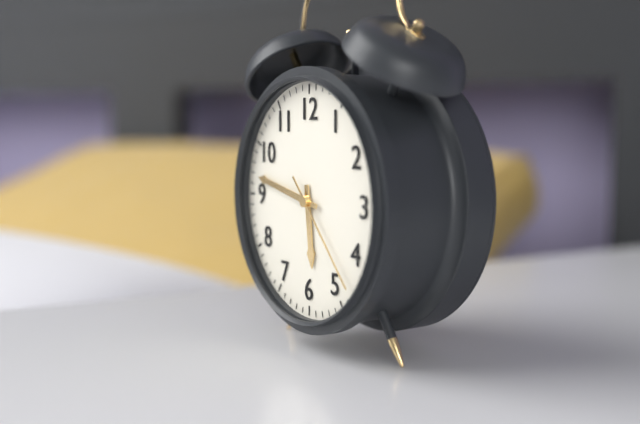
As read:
5 h 47 min 23 s
